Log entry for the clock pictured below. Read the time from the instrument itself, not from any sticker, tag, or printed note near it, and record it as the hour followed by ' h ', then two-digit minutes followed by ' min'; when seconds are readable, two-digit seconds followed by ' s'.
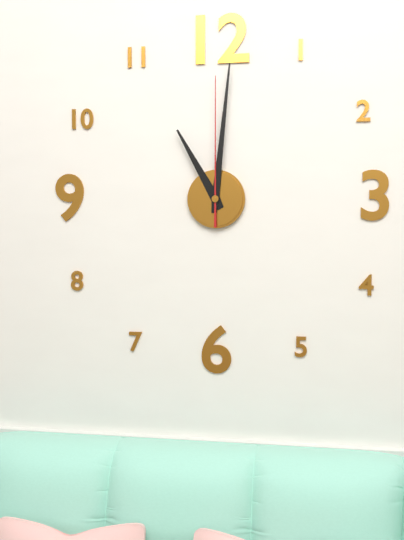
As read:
11 h 01 min 00 s
